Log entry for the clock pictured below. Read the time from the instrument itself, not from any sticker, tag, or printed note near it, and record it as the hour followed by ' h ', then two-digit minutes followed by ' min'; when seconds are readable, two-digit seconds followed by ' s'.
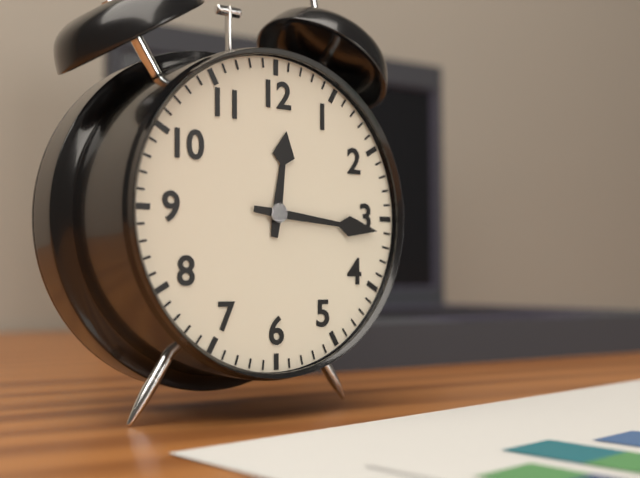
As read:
12 h 16 min
